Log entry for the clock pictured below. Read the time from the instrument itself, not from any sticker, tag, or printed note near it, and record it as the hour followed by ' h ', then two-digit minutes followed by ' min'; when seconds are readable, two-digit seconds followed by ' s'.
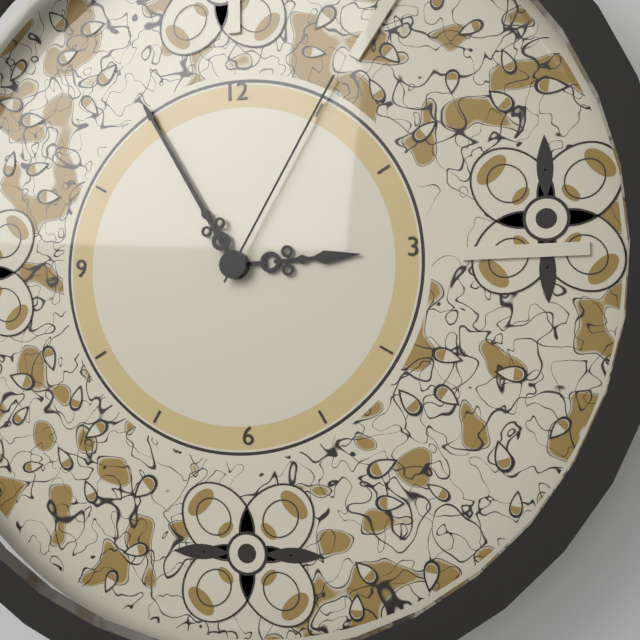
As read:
2 h 55 min 05 s
